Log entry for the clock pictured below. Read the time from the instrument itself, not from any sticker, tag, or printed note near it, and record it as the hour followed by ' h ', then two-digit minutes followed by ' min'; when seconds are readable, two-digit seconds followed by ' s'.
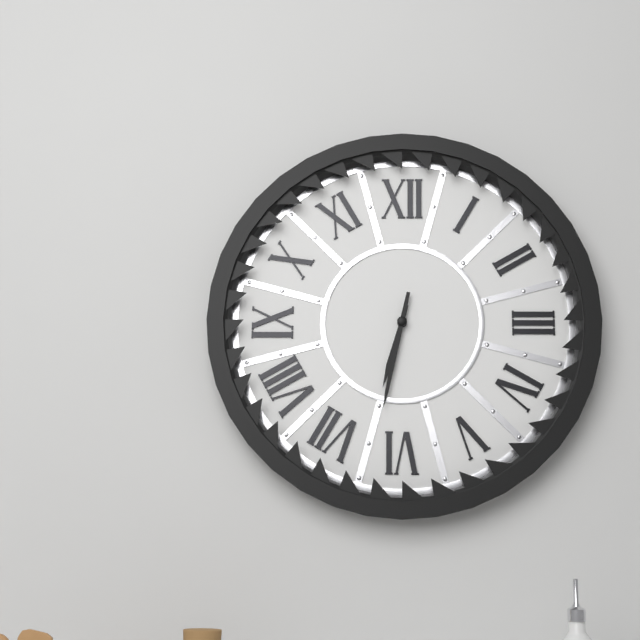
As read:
6 h 32 min
